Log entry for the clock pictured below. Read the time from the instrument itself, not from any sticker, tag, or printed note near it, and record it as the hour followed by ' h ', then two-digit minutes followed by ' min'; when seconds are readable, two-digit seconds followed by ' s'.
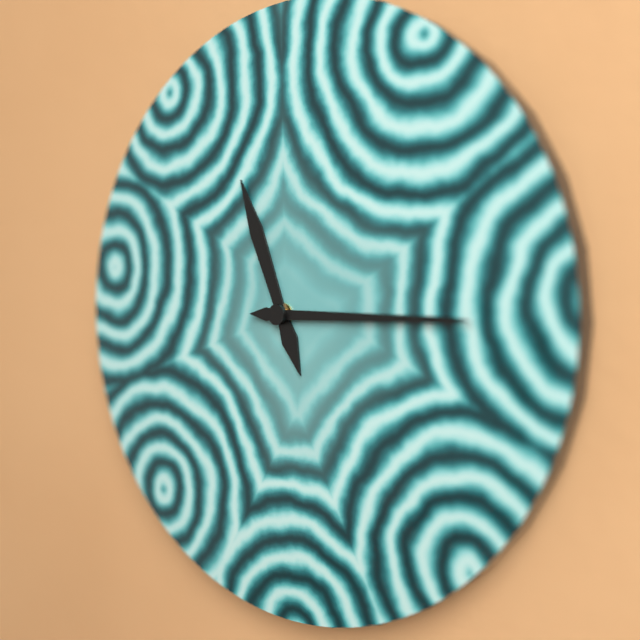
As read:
11 h 15 min
